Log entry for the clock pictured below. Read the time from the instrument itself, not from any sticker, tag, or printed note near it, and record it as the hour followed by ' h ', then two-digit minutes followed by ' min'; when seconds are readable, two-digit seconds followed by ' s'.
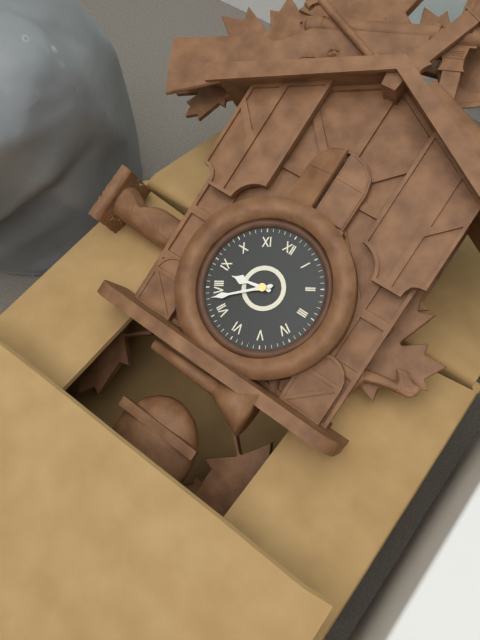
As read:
8 h 38 min
